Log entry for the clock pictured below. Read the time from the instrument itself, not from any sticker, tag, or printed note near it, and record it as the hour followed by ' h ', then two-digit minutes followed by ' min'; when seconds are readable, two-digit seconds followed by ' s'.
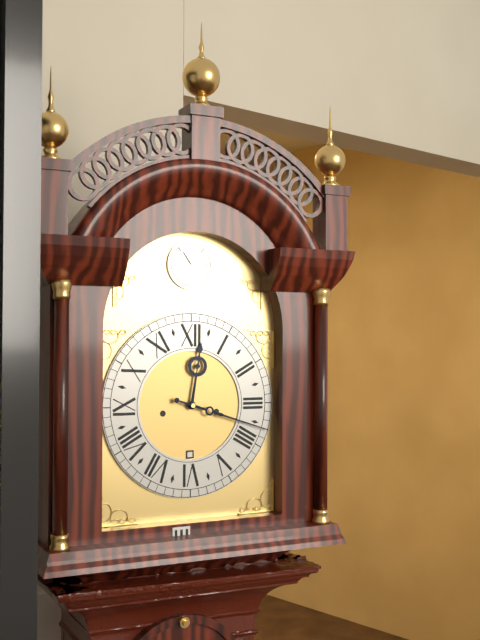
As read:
12 h 18 min
